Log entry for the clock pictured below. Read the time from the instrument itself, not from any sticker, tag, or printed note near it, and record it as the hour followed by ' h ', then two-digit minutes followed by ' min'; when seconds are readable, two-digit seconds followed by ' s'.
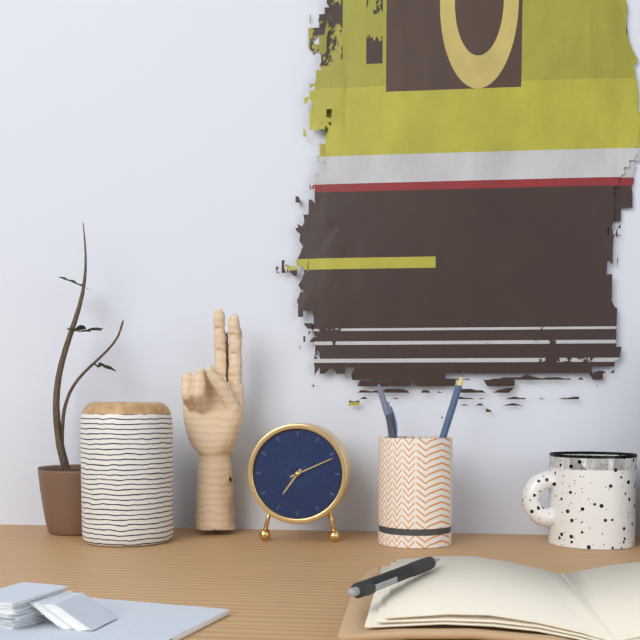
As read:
7 h 11 min
